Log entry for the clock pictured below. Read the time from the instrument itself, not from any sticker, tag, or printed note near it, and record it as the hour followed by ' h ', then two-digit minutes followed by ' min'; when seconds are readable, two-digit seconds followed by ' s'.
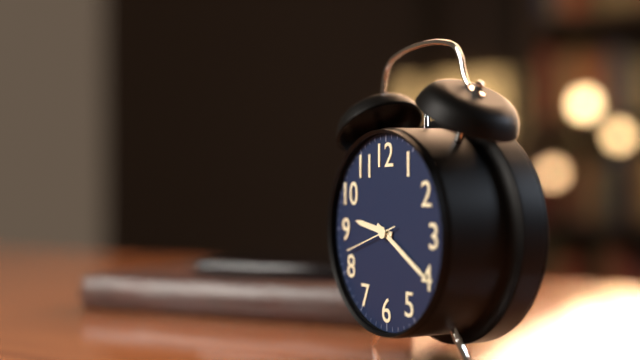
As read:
9 h 20 min 42 s
